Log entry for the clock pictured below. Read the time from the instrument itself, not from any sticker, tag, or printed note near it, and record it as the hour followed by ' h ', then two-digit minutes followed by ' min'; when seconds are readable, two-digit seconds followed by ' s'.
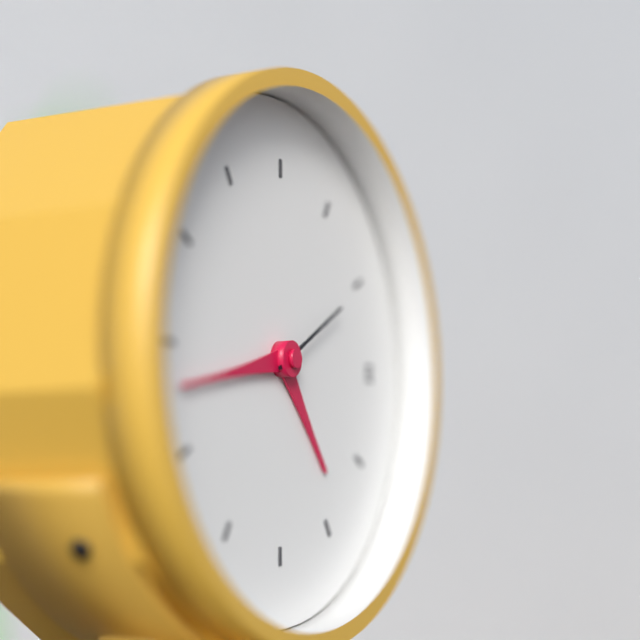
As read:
4 h 43 min 10 s
